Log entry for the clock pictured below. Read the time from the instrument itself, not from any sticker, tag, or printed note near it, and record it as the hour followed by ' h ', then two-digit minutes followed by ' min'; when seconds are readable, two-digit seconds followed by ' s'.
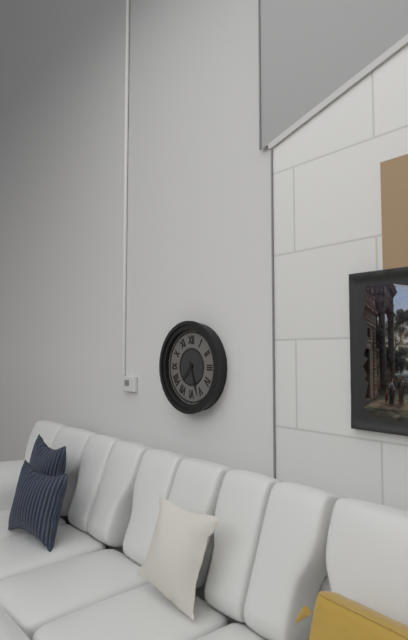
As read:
7 h 27 min
